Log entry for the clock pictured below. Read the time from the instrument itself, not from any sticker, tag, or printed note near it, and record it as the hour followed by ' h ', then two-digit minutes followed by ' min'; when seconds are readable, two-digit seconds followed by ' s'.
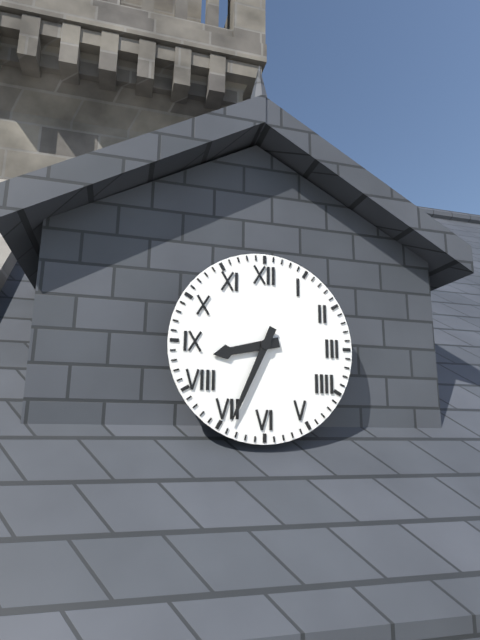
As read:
8 h 34 min
